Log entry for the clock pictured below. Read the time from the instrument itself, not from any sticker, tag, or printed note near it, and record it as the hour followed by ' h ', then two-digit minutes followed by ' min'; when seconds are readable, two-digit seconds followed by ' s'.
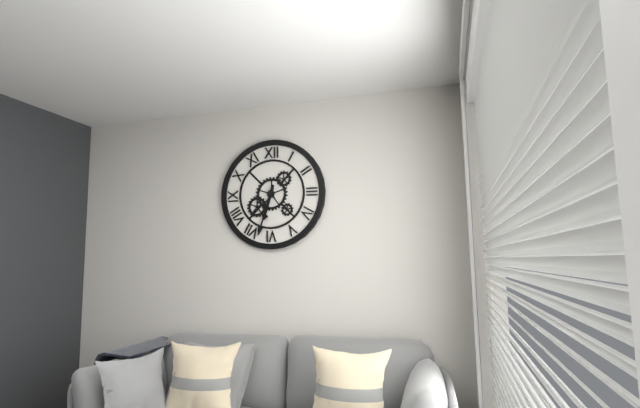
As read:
6 h 33 min
